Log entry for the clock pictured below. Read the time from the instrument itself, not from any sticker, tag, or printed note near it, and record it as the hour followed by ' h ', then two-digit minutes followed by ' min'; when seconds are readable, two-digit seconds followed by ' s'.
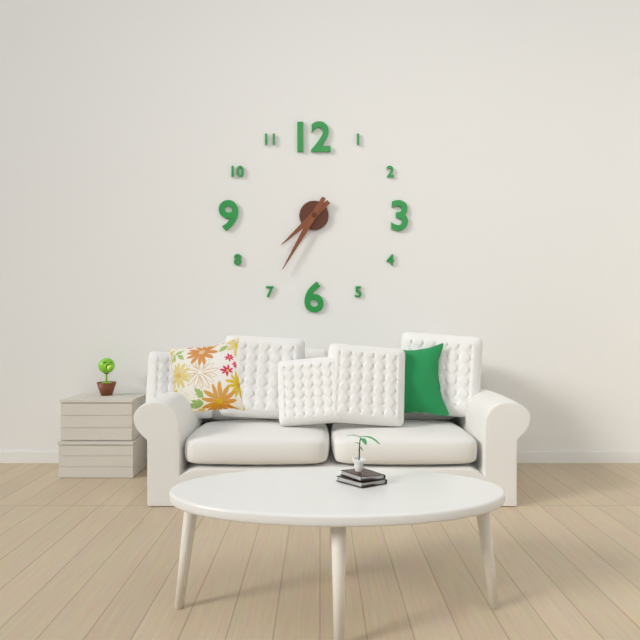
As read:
7 h 35 min
